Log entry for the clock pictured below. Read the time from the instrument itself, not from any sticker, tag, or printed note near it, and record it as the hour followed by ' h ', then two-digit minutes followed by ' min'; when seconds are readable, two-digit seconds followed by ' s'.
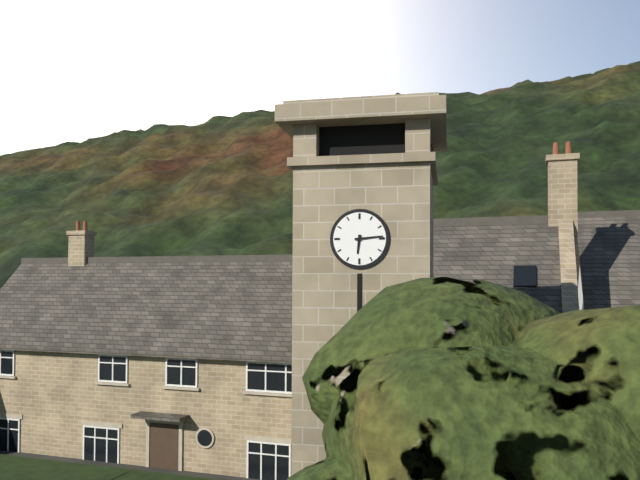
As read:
6 h 14 min
